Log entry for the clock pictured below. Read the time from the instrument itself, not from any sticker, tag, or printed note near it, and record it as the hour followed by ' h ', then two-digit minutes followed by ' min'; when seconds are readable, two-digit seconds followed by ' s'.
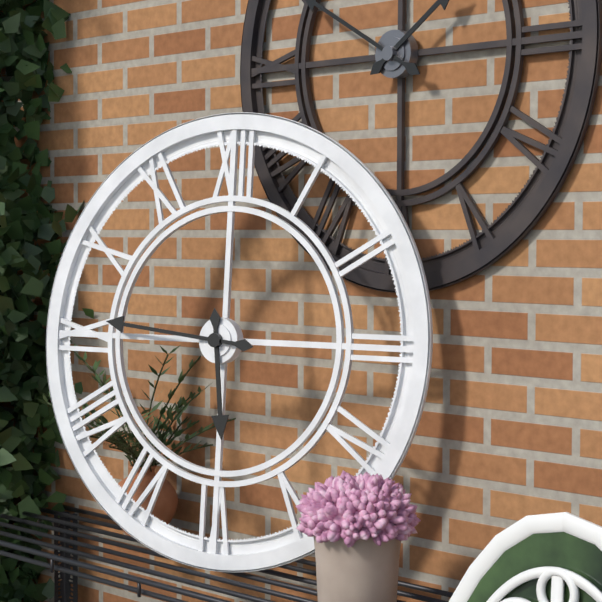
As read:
5 h 46 min
